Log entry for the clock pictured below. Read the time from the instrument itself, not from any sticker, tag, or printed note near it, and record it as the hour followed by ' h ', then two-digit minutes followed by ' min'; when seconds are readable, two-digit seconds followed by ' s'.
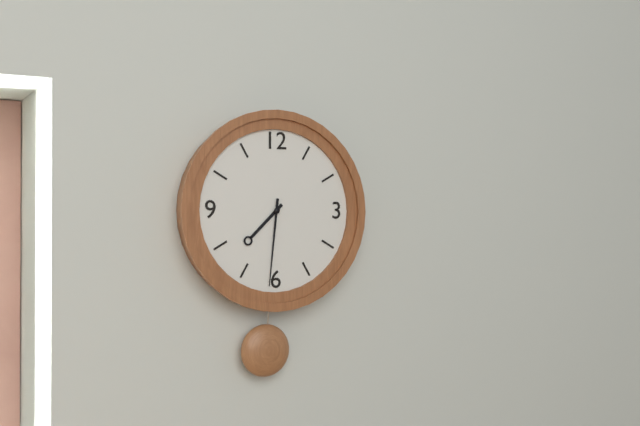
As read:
7 h 31 min
